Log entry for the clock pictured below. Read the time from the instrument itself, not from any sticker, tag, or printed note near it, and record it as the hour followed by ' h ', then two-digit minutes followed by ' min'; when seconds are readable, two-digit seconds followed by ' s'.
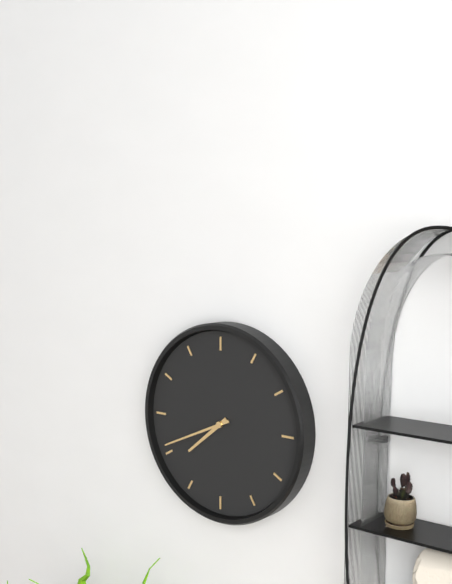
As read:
7 h 41 min
